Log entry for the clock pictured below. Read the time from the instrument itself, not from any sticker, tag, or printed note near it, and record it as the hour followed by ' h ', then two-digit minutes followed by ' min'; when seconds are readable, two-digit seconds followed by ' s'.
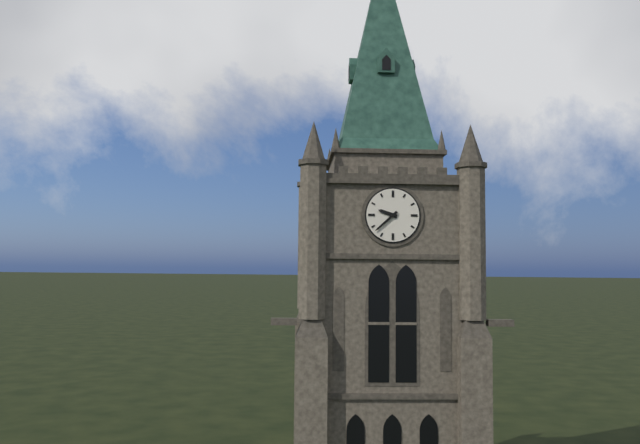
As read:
9 h 38 min
